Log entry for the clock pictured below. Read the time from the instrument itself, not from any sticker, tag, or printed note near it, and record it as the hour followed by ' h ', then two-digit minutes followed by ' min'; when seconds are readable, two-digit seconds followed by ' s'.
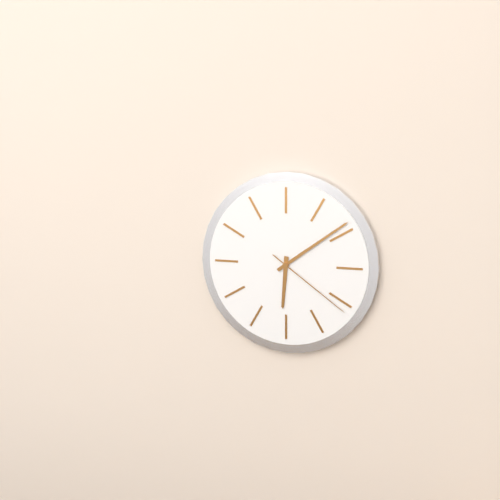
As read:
6 h 09 min 21 s
